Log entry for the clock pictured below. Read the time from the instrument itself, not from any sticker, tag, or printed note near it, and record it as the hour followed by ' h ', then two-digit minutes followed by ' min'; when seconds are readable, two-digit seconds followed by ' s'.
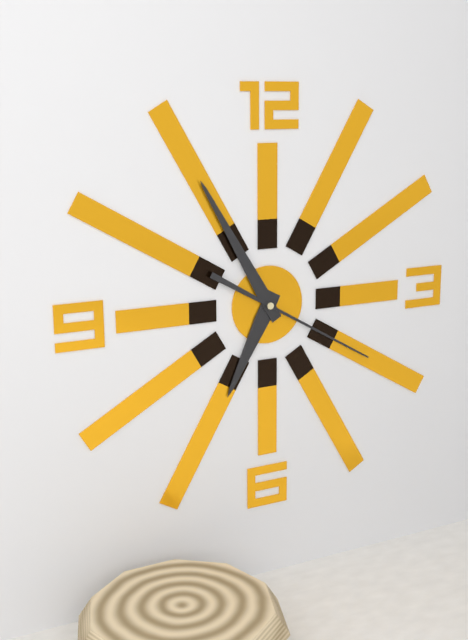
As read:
6 h 55 min 20 s
